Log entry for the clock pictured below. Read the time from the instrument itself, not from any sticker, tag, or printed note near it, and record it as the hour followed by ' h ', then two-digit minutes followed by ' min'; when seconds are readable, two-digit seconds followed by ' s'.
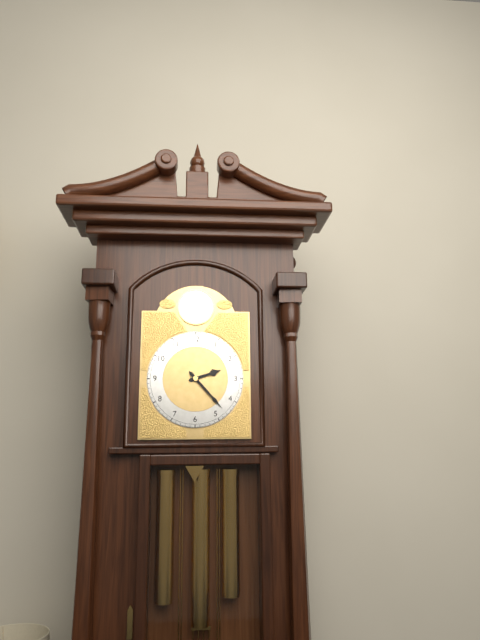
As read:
2 h 23 min
